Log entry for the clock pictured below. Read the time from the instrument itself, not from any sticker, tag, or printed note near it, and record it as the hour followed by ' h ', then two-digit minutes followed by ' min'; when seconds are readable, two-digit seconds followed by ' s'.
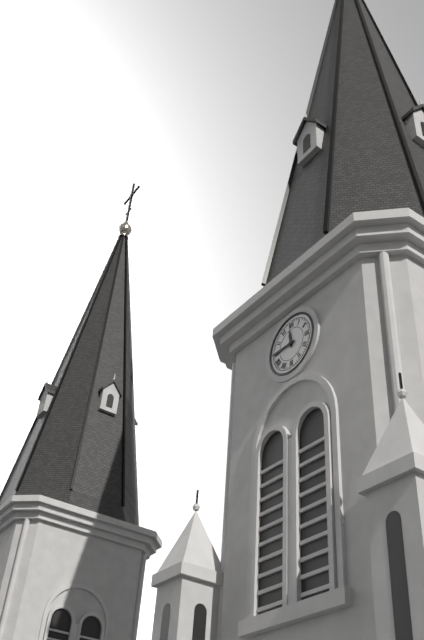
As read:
11 h 45 min
